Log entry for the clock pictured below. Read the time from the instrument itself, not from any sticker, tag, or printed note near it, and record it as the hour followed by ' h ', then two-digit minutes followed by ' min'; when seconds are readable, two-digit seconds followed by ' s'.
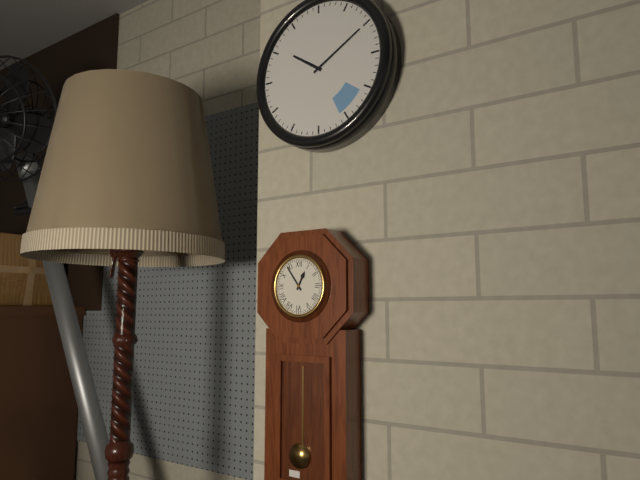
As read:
12 h 54 min
